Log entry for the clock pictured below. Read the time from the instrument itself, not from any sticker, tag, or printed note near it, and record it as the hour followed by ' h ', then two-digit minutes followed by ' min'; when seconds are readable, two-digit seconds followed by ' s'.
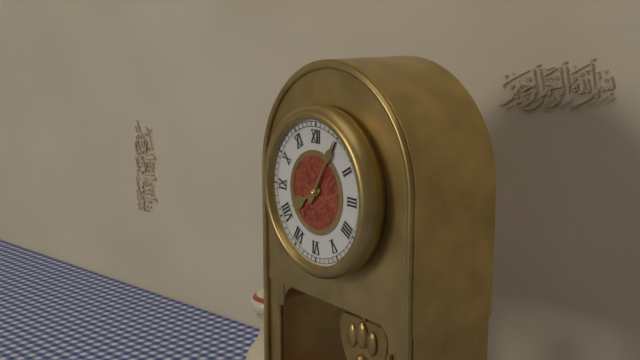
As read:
8 h 05 min
